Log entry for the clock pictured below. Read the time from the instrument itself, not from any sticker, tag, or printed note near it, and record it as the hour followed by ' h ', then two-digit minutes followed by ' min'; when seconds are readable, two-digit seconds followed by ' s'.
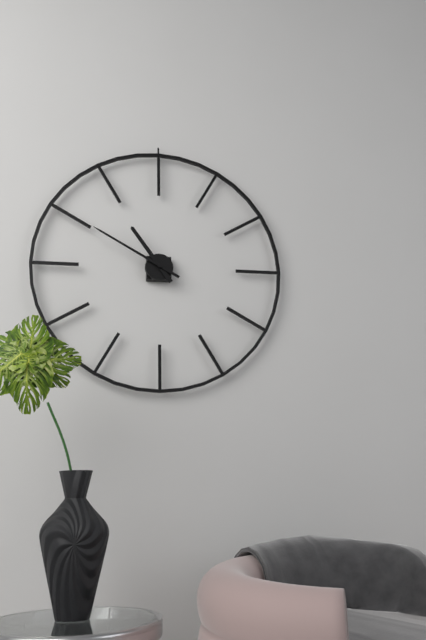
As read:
10 h 50 min
